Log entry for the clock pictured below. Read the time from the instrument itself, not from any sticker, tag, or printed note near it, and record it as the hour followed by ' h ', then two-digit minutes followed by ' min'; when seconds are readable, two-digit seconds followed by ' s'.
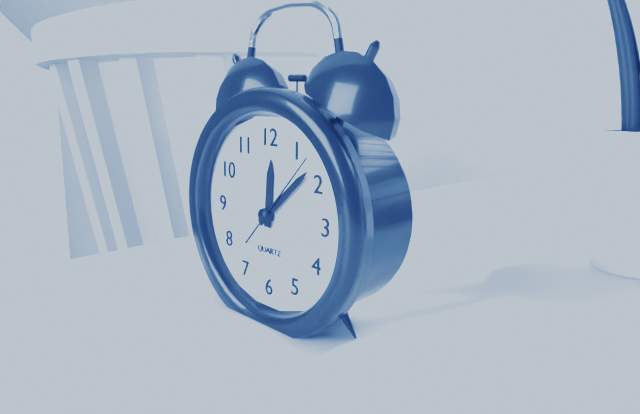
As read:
12 h 08 min 07 s
